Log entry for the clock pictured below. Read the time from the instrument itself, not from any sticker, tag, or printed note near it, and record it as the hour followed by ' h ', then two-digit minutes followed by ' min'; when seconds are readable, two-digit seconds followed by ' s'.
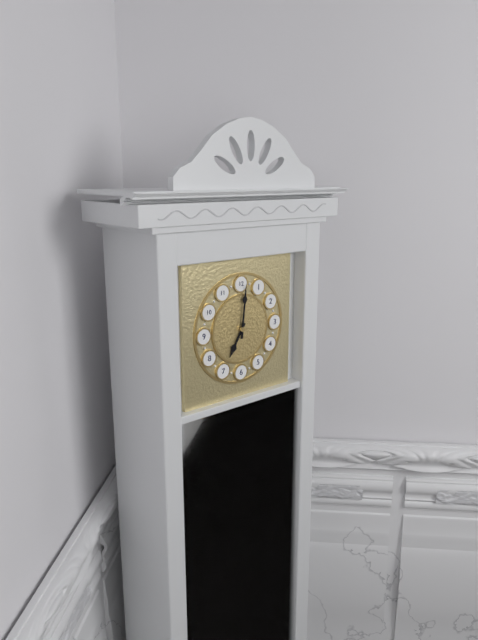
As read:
7 h 01 min
